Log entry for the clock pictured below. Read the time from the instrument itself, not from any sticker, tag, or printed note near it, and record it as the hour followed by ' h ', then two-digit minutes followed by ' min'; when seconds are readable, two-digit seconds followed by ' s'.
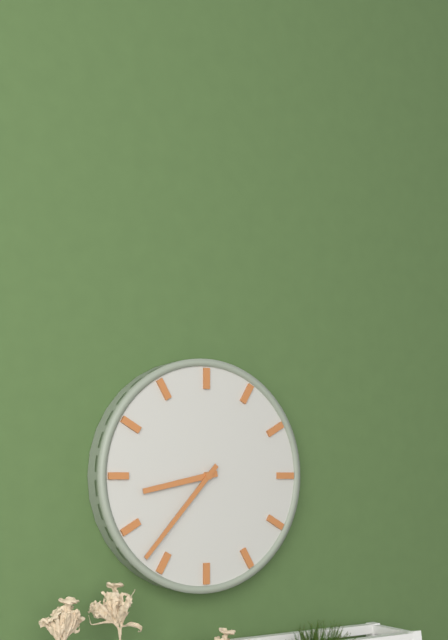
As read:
8 h 37 min
